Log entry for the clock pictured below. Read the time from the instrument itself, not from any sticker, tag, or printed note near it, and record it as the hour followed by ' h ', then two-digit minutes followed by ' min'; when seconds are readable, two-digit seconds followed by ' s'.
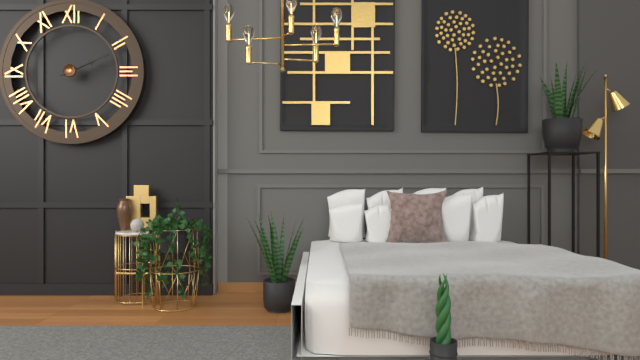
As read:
2 h 11 min 14 s
